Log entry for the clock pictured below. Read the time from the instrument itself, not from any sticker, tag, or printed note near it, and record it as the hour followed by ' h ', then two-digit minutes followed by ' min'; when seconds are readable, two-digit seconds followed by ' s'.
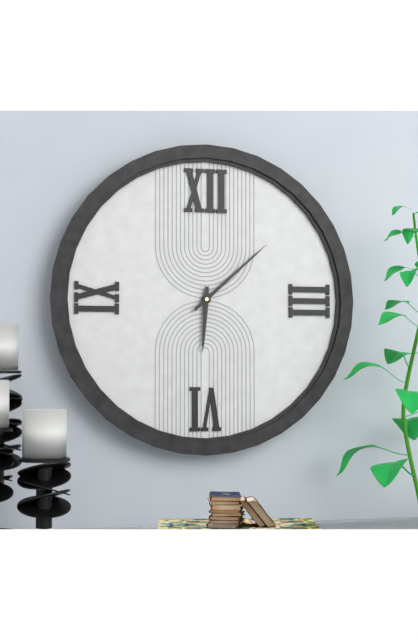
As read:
6 h 08 min
